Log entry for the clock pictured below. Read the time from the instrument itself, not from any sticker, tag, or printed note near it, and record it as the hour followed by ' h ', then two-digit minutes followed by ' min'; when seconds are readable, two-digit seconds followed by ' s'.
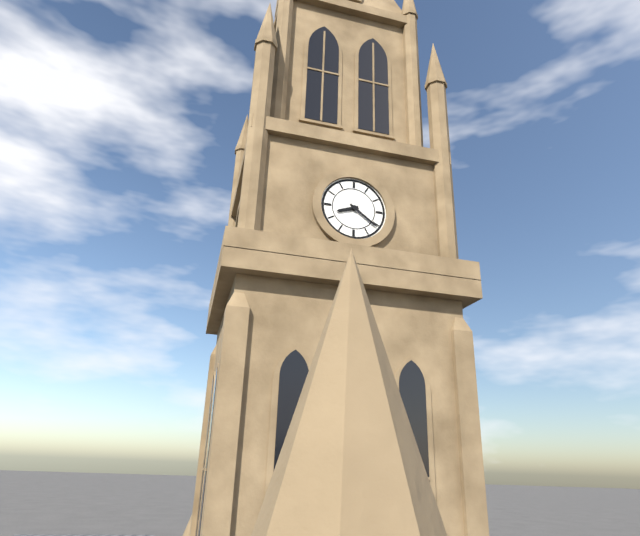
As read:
8 h 21 min
